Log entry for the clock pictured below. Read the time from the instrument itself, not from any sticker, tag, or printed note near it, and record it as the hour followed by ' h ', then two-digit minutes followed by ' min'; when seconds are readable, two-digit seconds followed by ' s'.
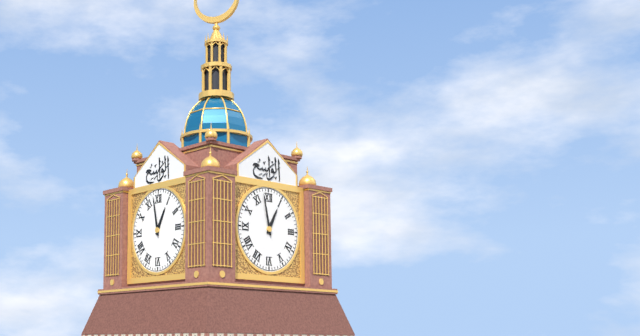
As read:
12 h 58 min
